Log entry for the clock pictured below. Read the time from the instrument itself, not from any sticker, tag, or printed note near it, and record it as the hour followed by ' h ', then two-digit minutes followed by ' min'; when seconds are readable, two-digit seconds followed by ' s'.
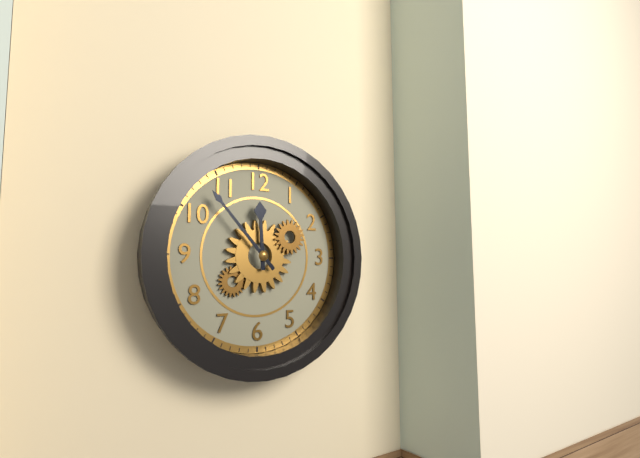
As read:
11 h 53 min
